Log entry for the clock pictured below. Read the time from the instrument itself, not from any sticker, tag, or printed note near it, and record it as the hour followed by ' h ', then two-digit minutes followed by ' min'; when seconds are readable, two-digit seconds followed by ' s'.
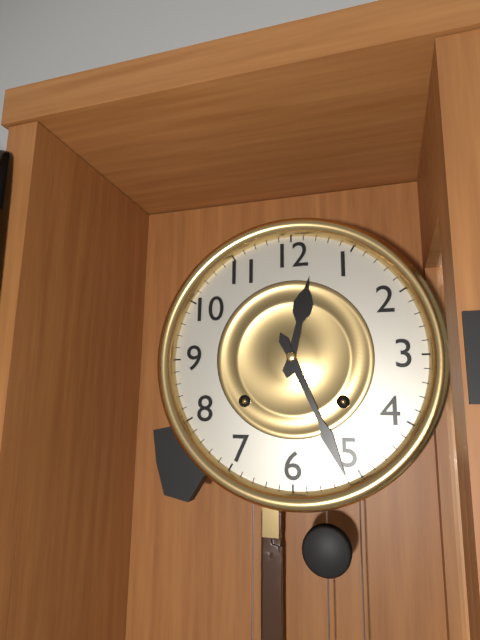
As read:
12 h 26 min
